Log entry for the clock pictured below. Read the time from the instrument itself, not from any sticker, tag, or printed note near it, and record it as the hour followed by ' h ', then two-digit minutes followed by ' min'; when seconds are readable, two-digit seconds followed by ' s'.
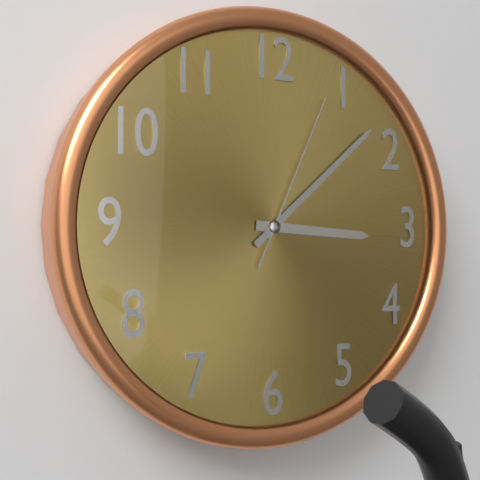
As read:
3 h 08 min 04 s
